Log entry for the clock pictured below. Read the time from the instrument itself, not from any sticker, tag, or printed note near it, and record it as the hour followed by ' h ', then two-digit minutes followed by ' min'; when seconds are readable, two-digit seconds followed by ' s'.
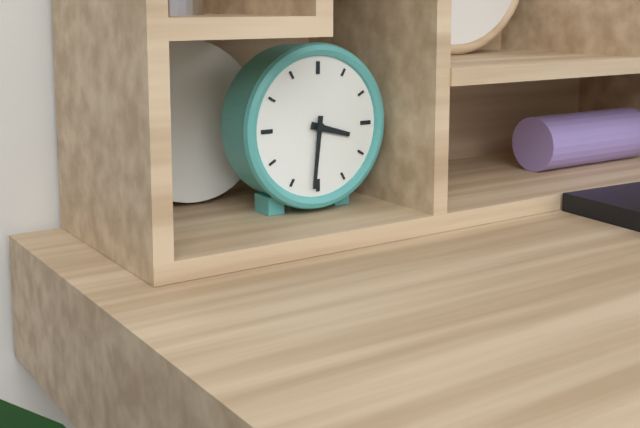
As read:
3 h 31 min
